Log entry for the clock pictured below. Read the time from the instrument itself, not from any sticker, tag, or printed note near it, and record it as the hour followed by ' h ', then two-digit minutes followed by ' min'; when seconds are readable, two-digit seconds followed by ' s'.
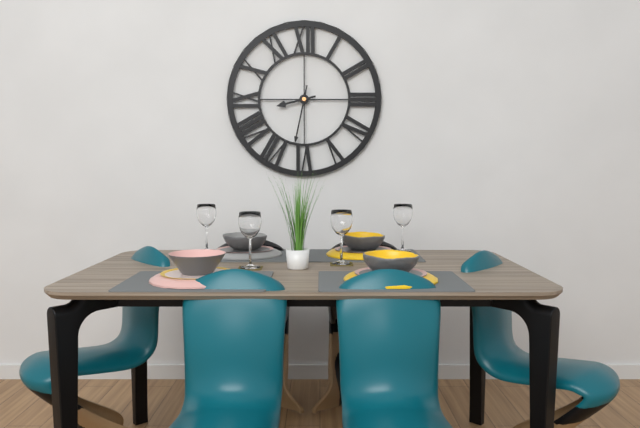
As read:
8 h 32 min
